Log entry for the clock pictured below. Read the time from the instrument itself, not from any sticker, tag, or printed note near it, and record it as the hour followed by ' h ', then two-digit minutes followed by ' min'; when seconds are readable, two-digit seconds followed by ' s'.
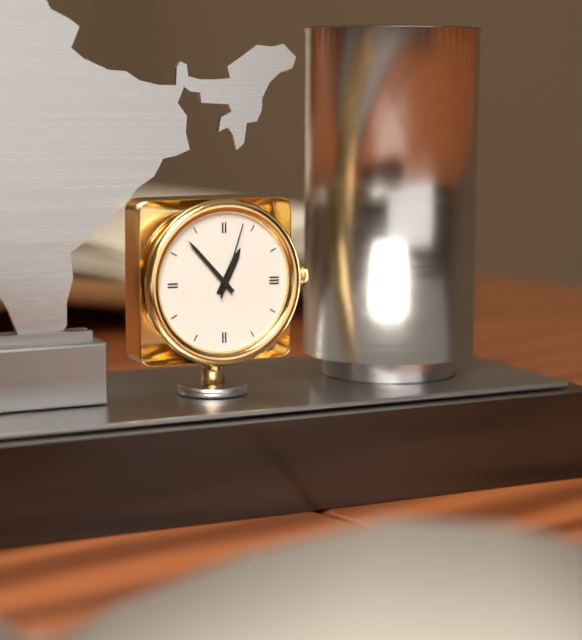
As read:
12 h 53 min 03 s
